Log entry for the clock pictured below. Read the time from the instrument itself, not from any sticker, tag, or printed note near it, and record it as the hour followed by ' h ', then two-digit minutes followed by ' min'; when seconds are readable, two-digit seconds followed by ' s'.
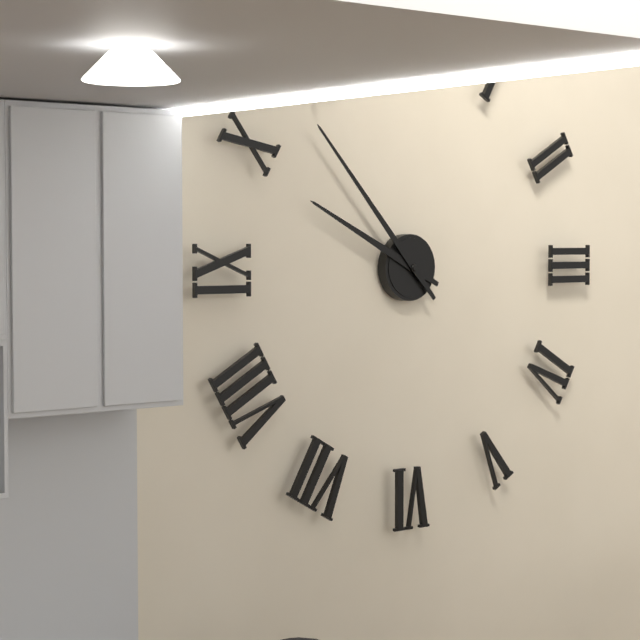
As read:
9 h 53 min
